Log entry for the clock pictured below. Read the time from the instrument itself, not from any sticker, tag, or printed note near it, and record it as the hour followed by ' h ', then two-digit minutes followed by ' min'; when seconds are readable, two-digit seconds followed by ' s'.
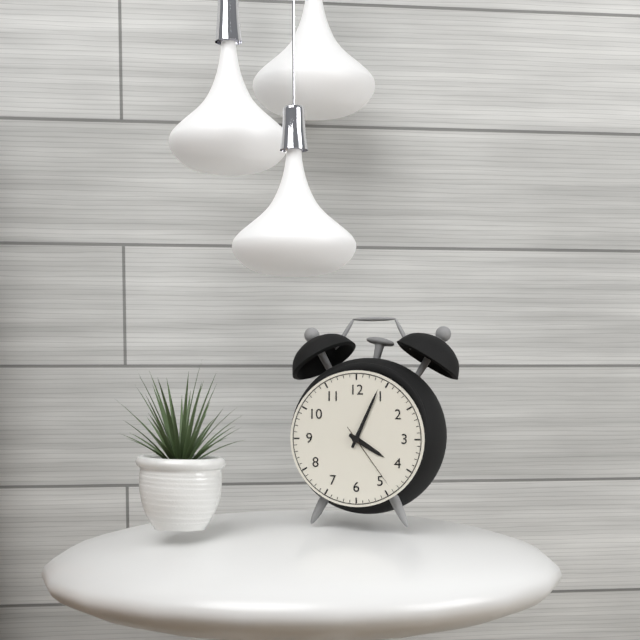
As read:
4 h 04 min 24 s
